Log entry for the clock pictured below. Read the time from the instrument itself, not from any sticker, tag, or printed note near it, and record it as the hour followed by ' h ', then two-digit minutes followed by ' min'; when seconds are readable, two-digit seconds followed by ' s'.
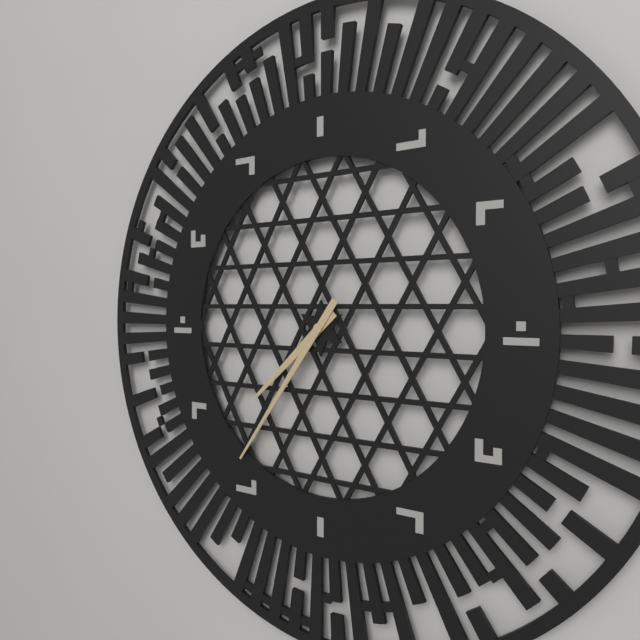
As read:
7 h 36 min
